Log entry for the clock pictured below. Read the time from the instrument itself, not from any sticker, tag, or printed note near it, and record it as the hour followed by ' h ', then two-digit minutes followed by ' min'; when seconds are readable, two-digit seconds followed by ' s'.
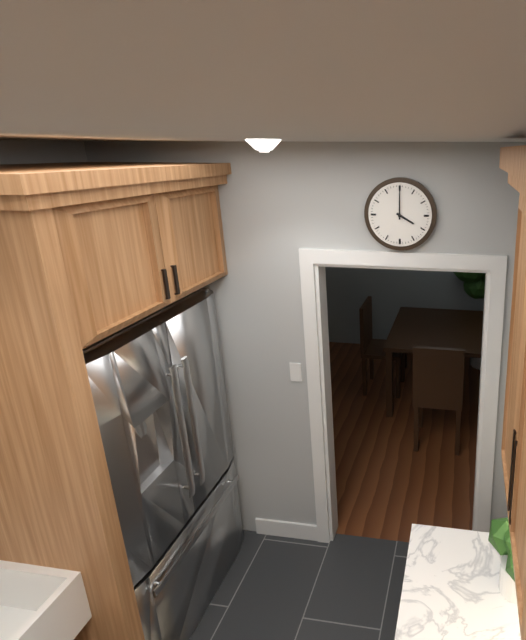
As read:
4 h 00 min
